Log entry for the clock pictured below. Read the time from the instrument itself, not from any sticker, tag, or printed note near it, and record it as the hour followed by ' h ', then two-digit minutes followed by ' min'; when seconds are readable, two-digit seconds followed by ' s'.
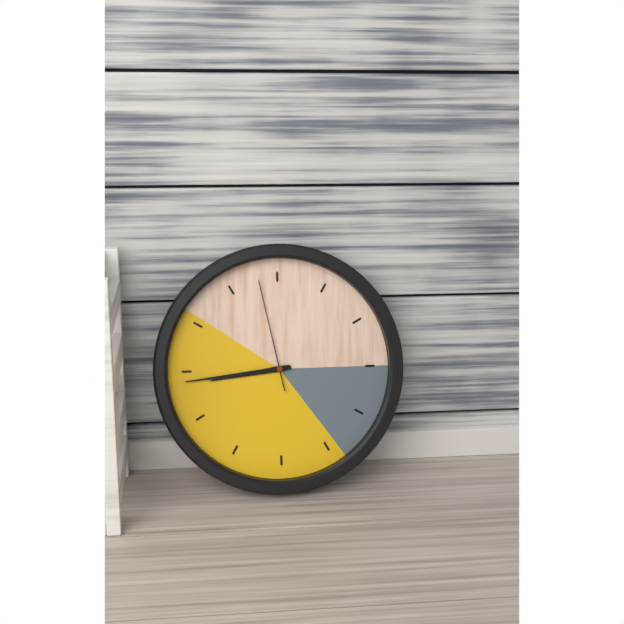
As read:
8 h 44 min 58 s
